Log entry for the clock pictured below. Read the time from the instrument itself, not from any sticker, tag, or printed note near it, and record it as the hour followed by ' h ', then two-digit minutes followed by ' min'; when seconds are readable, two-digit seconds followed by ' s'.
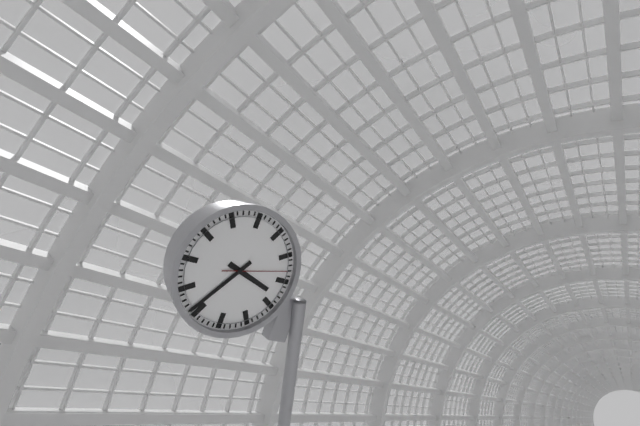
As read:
3 h 36 min 13 s
